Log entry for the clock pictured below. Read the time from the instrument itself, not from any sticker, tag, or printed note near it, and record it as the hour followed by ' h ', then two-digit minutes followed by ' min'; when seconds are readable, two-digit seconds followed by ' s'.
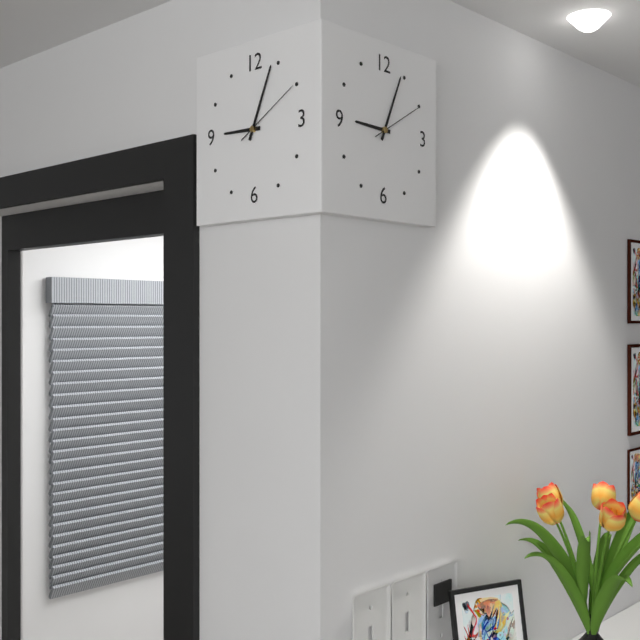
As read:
9 h 04 min 10 s
